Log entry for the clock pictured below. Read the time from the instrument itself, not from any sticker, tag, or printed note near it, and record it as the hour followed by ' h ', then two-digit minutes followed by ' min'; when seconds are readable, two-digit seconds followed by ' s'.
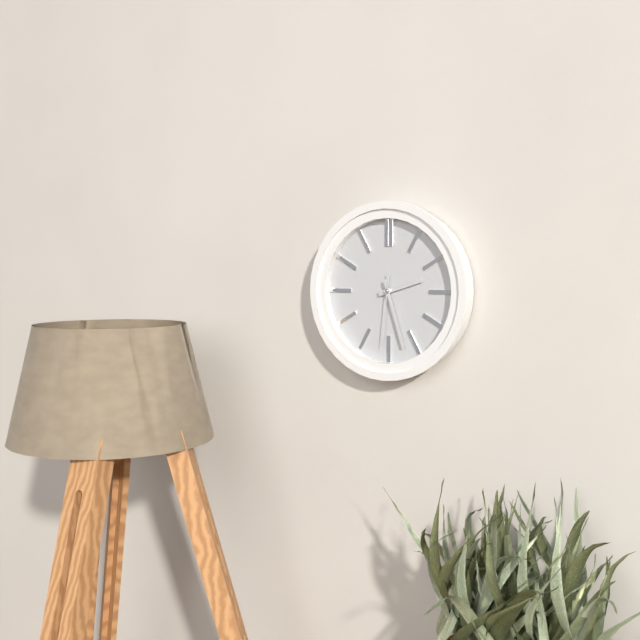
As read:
2 h 27 min 31 s
